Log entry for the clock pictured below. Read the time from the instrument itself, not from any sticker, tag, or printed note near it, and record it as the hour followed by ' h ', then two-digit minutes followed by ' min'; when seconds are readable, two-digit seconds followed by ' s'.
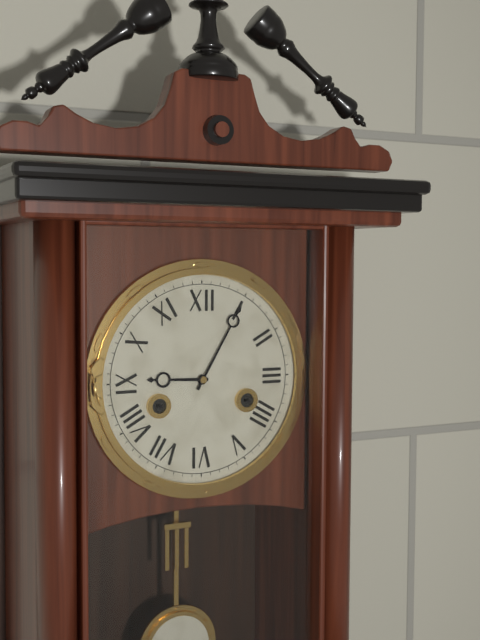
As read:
9 h 05 min
